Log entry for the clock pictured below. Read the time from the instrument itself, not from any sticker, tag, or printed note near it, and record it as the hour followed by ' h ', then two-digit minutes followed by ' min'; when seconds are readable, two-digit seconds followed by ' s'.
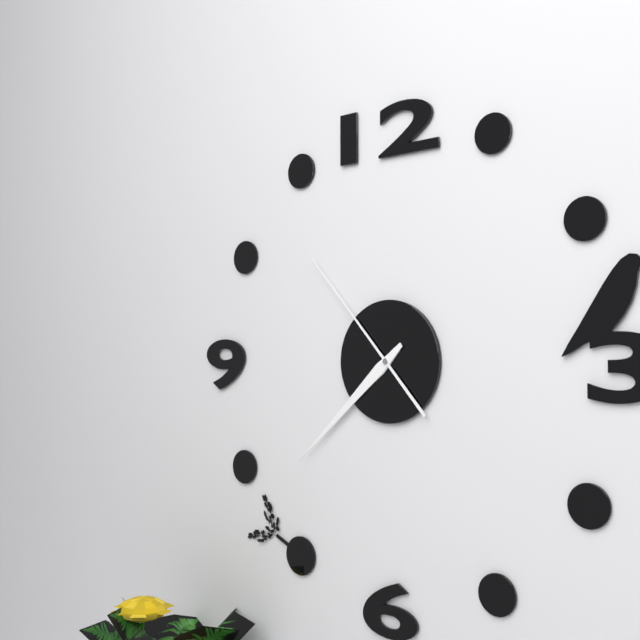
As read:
7 h 38 min 53 s
